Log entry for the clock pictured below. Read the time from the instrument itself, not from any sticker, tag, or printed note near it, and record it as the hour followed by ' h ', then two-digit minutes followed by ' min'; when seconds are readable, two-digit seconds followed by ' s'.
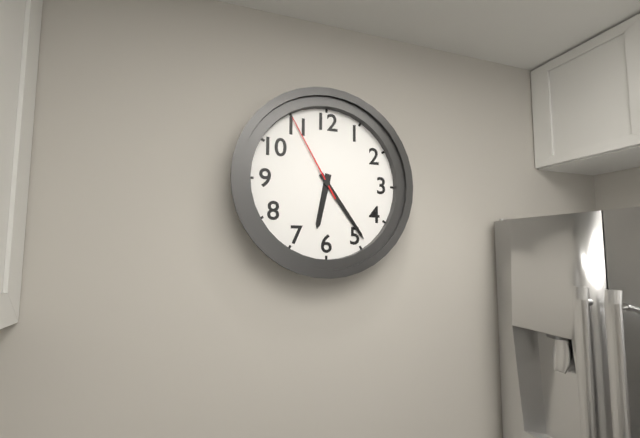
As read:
6 h 24 min 55 s
